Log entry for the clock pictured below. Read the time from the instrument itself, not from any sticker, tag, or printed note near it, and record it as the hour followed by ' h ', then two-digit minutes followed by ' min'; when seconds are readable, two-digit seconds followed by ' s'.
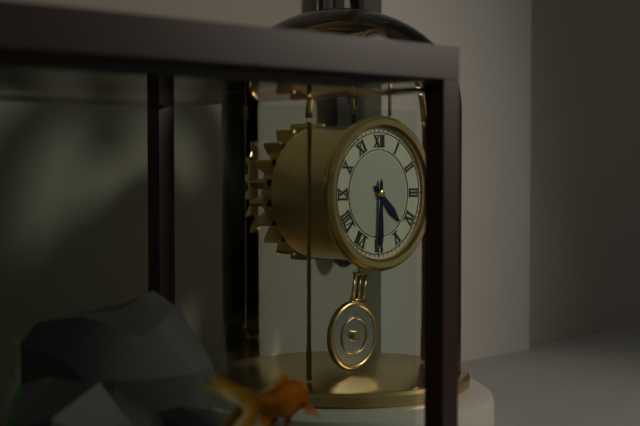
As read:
4 h 30 min
